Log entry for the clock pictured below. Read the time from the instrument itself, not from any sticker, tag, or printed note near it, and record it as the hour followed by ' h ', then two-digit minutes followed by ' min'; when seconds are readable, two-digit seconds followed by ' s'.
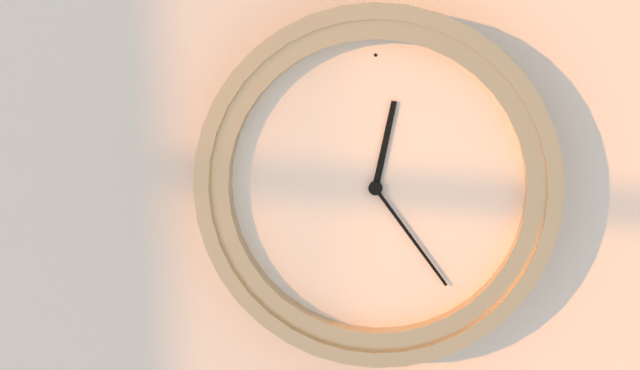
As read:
12 h 24 min
